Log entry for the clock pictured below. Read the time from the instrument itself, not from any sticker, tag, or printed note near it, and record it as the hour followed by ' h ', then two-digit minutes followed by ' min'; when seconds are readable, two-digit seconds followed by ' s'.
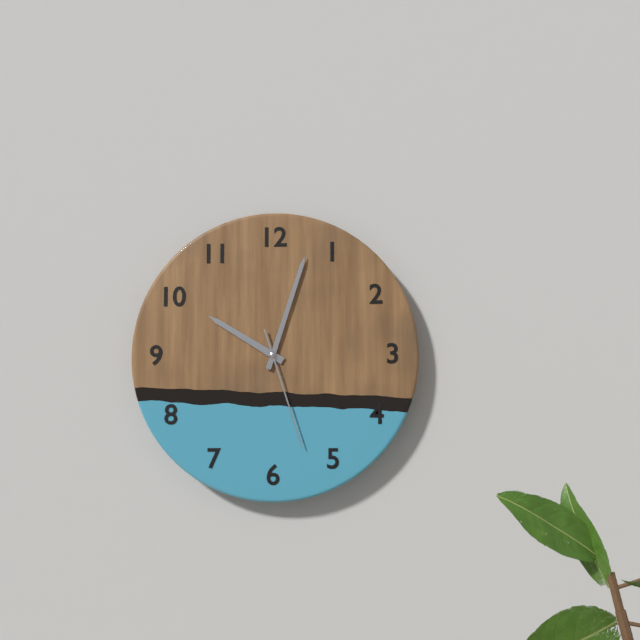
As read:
10 h 03 min 27 s
